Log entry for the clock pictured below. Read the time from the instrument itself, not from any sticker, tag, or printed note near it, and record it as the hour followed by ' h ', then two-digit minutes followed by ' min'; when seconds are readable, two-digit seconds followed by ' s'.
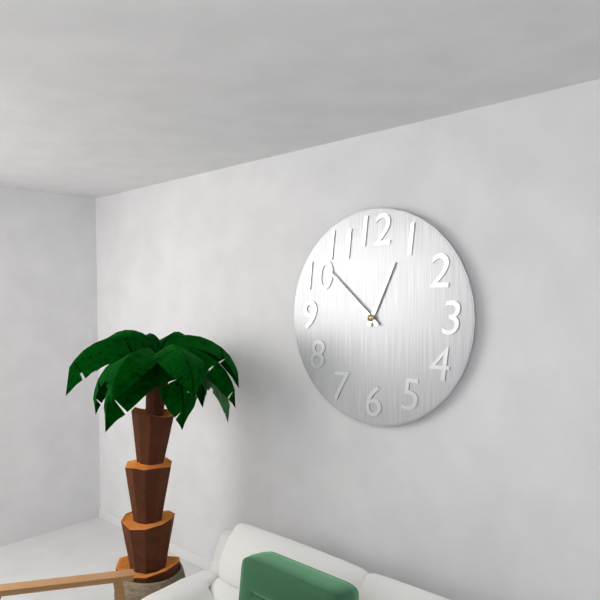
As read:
12 h 52 min
